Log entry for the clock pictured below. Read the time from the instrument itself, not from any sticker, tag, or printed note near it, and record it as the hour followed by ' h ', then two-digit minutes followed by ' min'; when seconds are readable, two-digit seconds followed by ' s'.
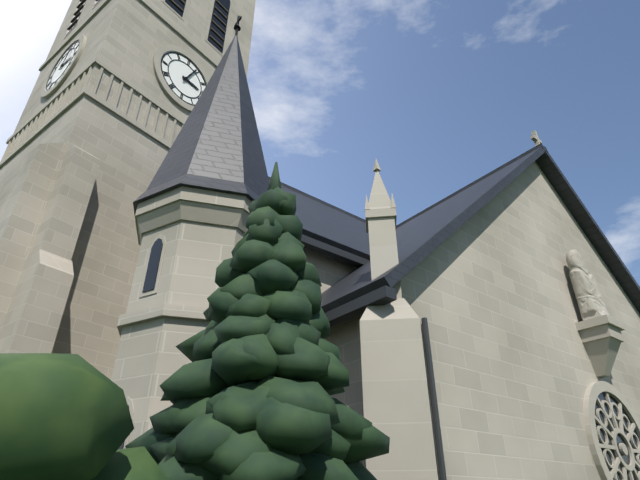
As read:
3 h 04 min
